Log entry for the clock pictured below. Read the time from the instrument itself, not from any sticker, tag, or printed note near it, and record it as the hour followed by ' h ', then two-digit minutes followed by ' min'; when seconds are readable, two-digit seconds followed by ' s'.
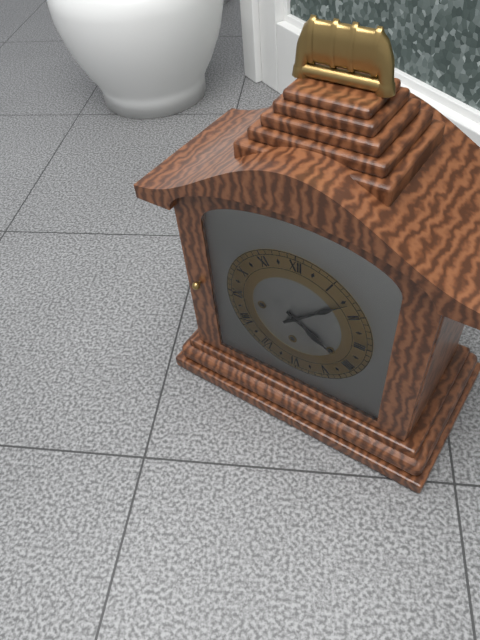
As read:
4 h 08 min
